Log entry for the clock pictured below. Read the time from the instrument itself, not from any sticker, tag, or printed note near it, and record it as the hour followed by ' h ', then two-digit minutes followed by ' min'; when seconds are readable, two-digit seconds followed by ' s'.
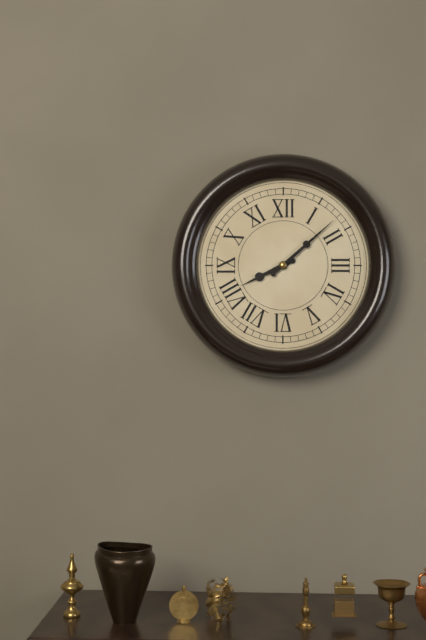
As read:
8 h 08 min
